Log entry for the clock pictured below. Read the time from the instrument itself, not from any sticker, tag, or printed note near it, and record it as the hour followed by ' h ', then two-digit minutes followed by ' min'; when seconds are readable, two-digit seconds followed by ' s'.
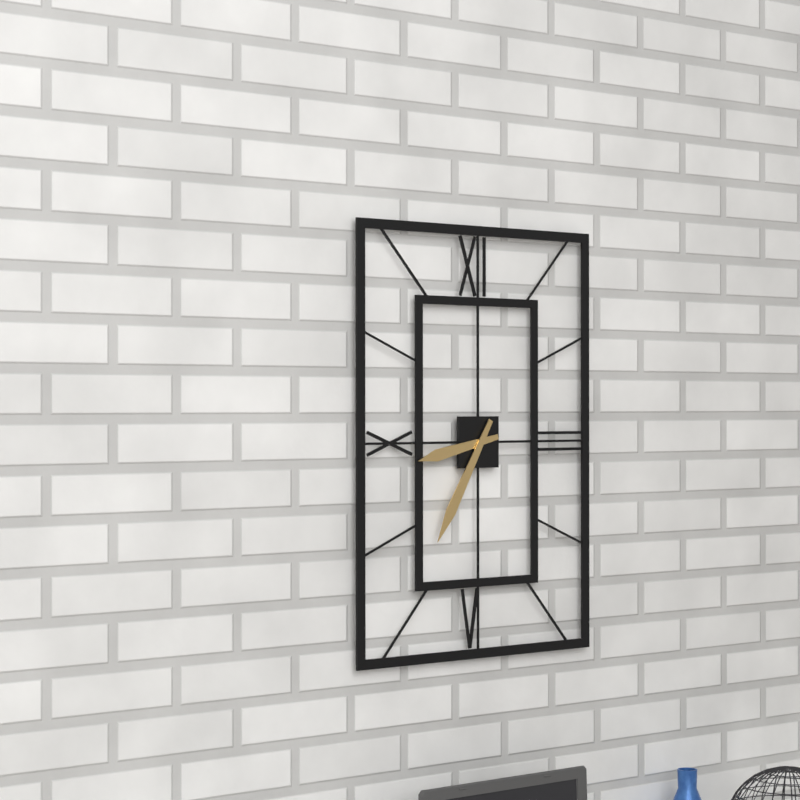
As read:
8 h 35 min
